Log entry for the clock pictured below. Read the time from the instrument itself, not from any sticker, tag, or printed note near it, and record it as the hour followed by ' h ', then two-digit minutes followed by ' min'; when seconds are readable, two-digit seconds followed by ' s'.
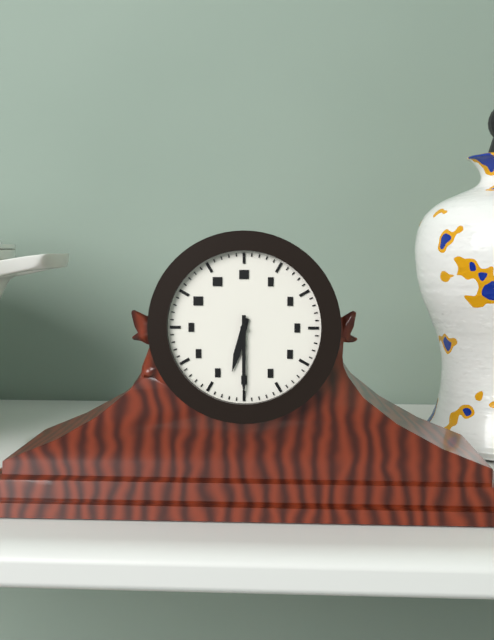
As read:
6 h 30 min
